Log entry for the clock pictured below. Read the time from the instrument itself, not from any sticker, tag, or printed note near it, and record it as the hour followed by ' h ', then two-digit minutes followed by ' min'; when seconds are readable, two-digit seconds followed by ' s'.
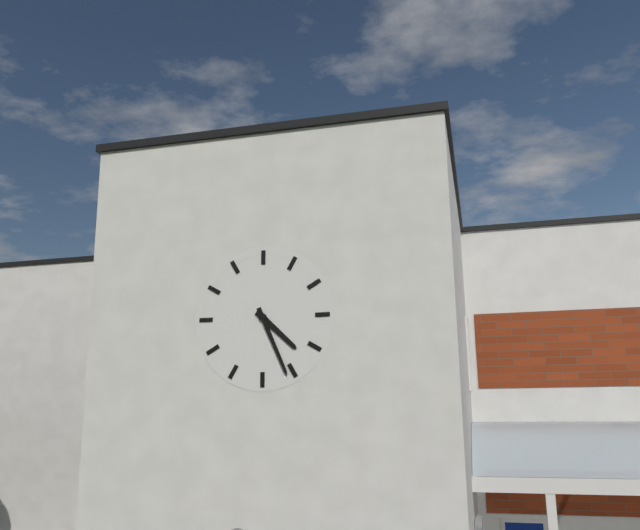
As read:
4 h 26 min
